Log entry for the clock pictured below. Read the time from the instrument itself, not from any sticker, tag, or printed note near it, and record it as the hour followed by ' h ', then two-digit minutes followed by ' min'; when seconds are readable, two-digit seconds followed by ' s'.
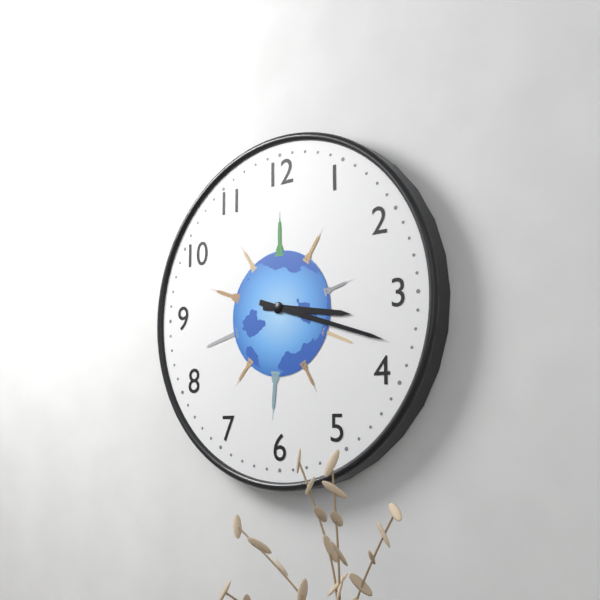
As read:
3 h 18 min
